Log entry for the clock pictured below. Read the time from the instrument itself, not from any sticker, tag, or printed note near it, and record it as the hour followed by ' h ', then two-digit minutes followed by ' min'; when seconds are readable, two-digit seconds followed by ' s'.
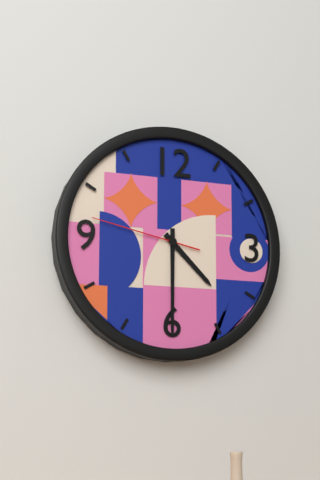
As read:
4 h 30 min 47 s
